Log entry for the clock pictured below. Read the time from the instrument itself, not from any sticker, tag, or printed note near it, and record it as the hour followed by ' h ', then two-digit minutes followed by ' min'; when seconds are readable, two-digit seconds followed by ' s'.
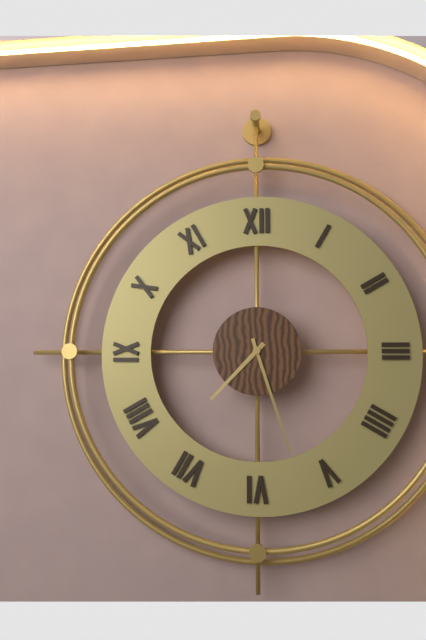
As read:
7 h 27 min
